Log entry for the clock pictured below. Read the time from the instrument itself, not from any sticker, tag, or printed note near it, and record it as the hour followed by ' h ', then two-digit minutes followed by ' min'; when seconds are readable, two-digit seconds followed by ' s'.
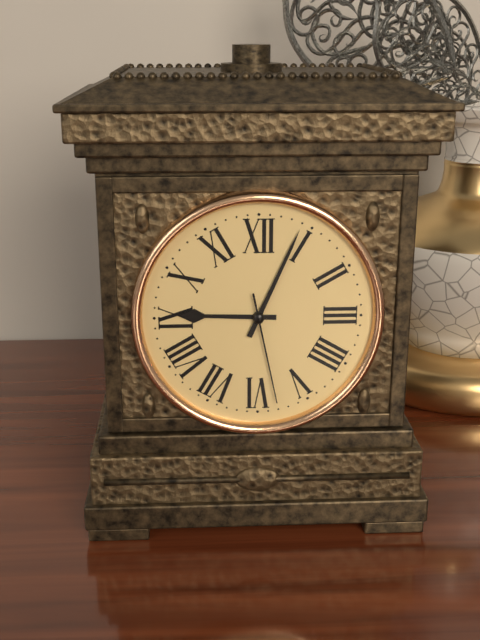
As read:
9 h 04 min 28 s
